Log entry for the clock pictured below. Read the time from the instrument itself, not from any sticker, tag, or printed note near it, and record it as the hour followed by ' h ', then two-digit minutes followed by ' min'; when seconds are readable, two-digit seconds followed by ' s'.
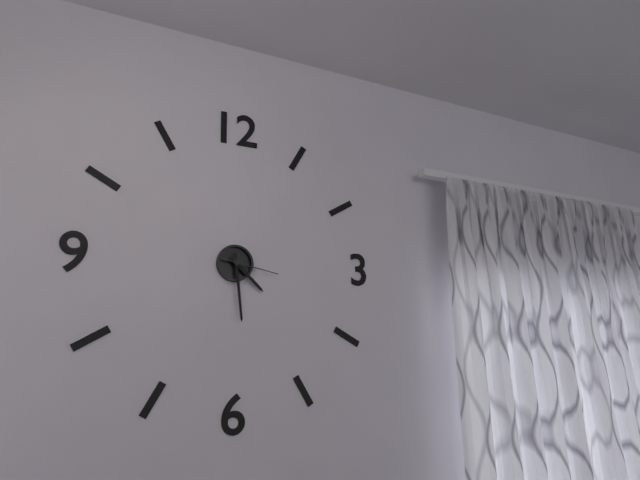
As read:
4 h 29 min 17 s
